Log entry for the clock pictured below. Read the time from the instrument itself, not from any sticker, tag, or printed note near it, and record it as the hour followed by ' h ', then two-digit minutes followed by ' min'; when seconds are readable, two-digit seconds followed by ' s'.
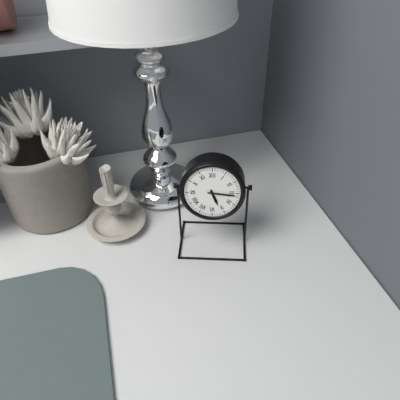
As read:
5 h 16 min
